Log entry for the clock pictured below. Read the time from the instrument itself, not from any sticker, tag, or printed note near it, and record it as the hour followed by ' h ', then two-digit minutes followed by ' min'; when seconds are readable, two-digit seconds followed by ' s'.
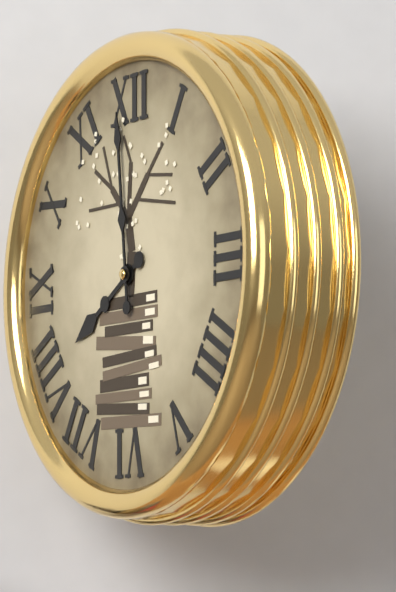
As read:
7 h 59 min
